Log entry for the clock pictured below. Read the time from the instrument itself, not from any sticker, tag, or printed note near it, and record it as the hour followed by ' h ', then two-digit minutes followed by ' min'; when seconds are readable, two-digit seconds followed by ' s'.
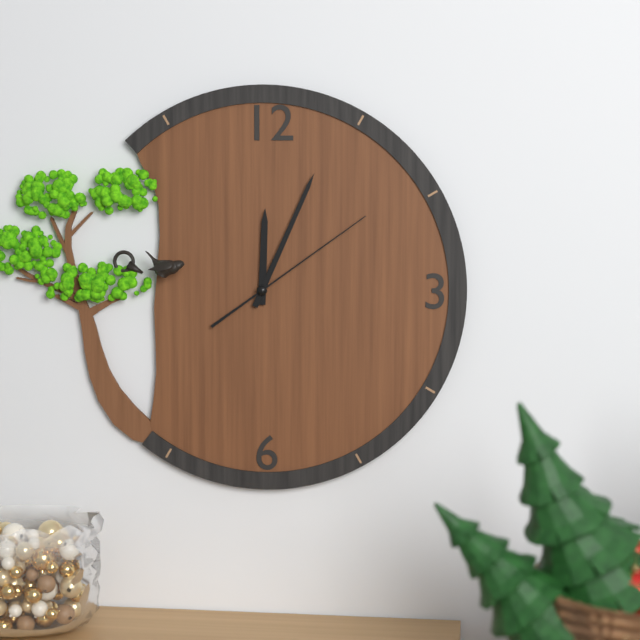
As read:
12 h 04 min 09 s
